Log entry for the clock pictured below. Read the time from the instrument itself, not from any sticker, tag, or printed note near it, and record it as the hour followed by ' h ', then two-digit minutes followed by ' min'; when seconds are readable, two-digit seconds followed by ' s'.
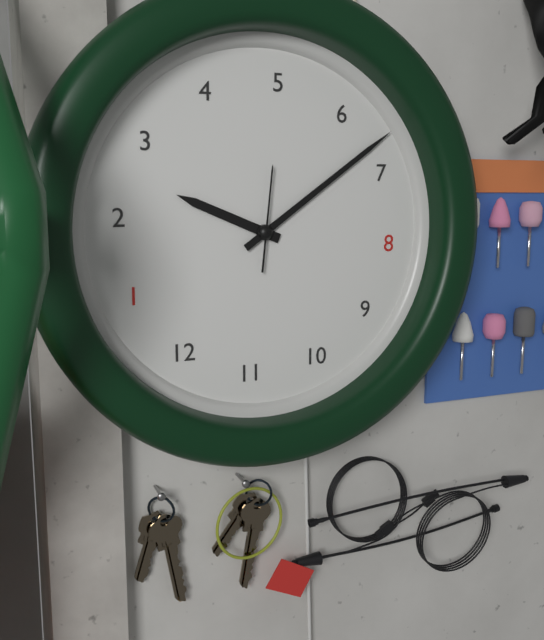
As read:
2 h 33 min 25 s
